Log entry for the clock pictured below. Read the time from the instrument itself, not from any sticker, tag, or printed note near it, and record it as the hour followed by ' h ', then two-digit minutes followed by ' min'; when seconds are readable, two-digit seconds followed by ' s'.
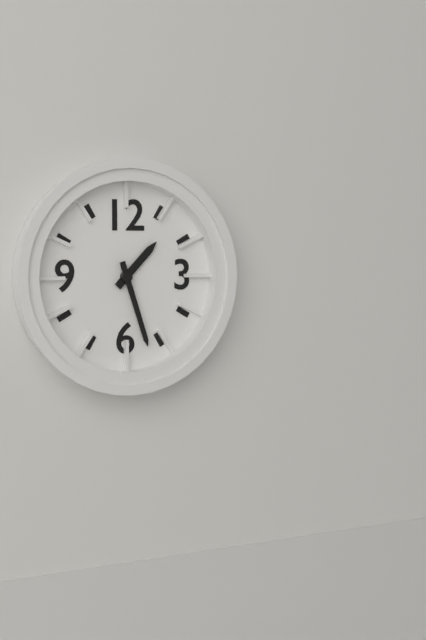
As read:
1 h 27 min
